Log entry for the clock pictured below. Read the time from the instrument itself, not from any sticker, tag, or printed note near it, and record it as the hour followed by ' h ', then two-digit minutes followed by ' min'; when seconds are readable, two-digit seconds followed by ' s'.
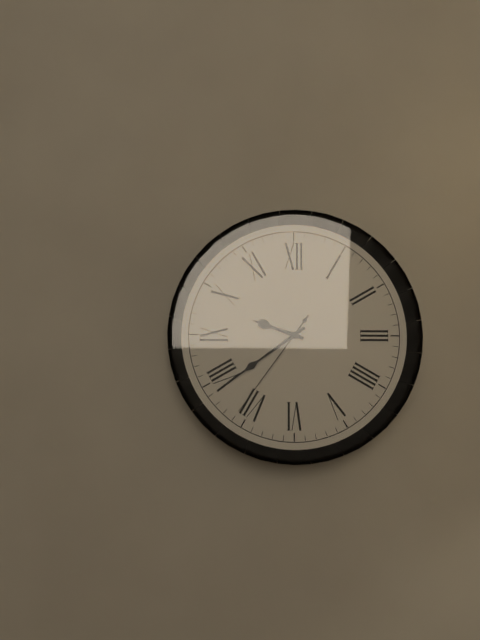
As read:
9 h 39 min 36 s
